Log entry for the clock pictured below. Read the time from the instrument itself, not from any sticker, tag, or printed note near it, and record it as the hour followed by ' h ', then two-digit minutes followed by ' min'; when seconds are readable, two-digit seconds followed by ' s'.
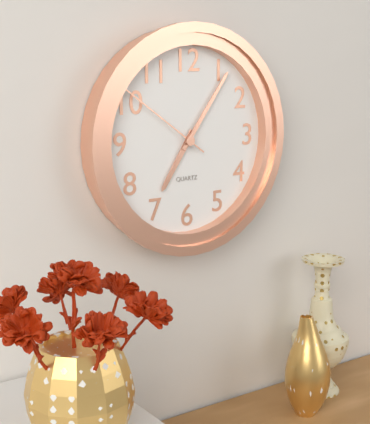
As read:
7 h 06 min 51 s
